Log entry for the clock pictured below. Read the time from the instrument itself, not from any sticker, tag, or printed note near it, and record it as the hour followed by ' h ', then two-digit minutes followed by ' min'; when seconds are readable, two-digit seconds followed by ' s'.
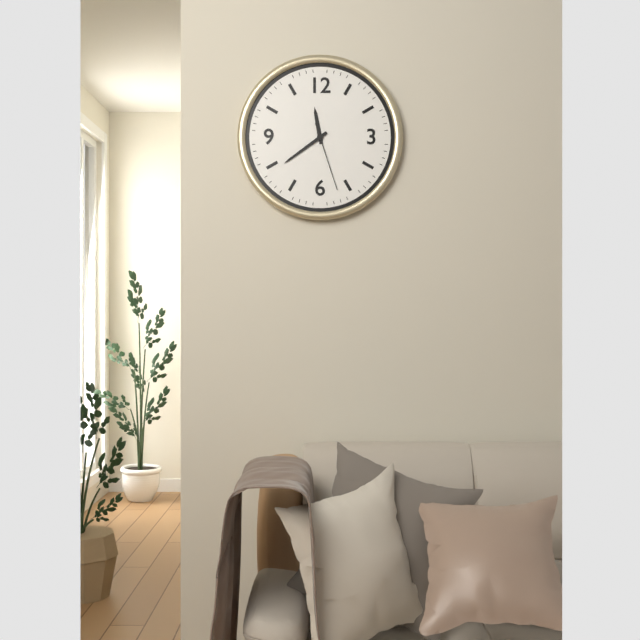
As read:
11 h 39 min 27 s
